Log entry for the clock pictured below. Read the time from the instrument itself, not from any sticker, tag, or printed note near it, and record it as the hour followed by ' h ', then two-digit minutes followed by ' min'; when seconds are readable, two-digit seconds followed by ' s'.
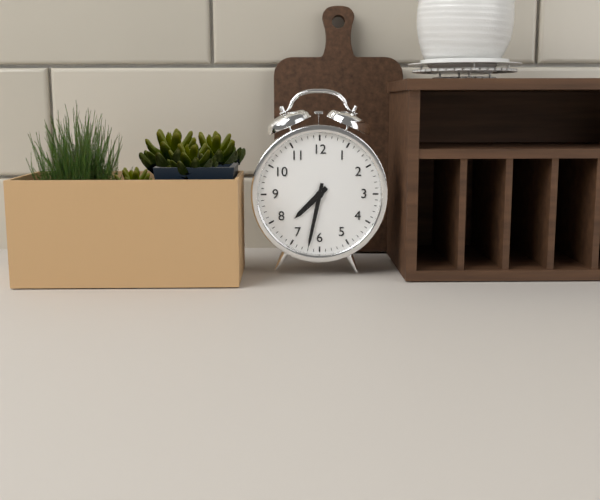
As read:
7 h 32 min
